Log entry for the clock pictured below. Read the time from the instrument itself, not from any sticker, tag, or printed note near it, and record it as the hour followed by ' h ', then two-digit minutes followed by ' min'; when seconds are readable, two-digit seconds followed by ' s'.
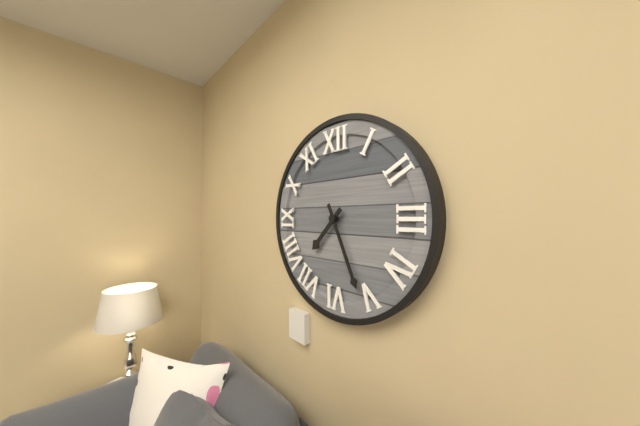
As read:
7 h 26 min
